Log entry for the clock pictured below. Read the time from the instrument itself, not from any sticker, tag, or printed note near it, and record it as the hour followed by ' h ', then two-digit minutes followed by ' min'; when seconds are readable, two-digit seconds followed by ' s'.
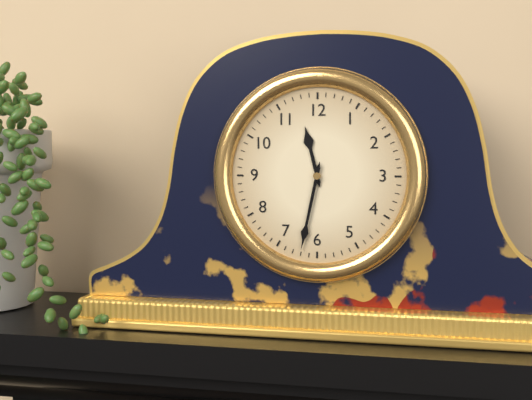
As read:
11 h 32 min
